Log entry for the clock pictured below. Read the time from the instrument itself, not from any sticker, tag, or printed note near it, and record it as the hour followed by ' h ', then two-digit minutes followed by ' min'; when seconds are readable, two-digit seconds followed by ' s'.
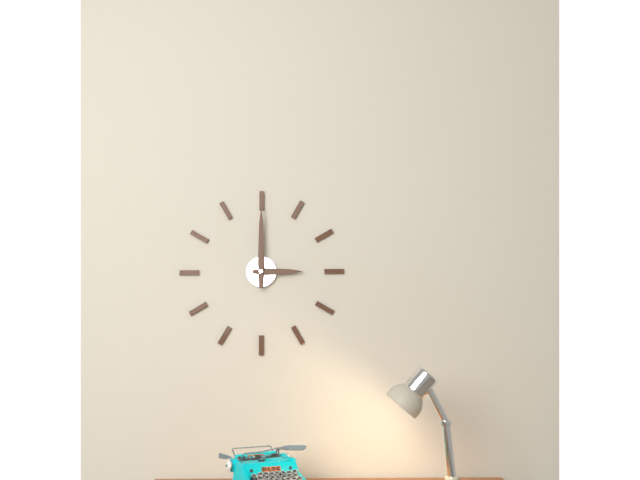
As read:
3 h 00 min
